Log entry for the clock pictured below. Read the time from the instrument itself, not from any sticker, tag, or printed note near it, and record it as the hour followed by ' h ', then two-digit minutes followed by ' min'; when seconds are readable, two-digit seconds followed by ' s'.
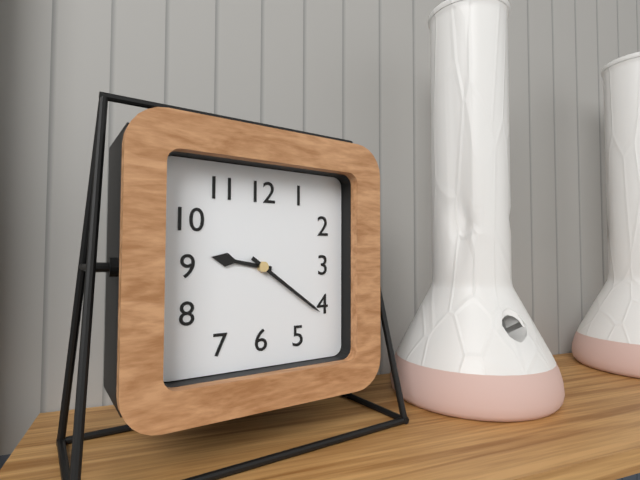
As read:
9 h 21 min
